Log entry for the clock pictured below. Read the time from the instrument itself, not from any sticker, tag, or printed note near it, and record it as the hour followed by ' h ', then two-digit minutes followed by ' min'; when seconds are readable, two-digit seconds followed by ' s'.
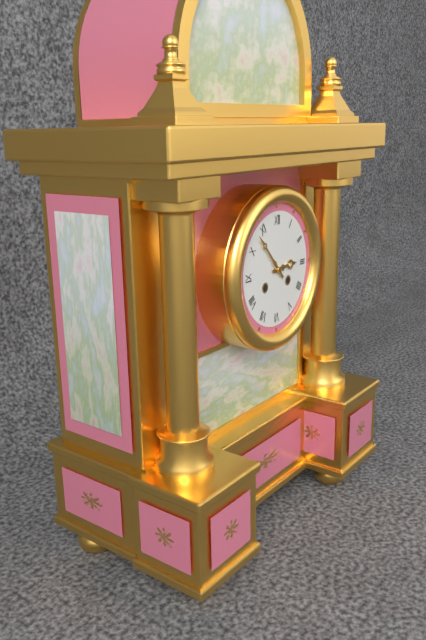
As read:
2 h 53 min
